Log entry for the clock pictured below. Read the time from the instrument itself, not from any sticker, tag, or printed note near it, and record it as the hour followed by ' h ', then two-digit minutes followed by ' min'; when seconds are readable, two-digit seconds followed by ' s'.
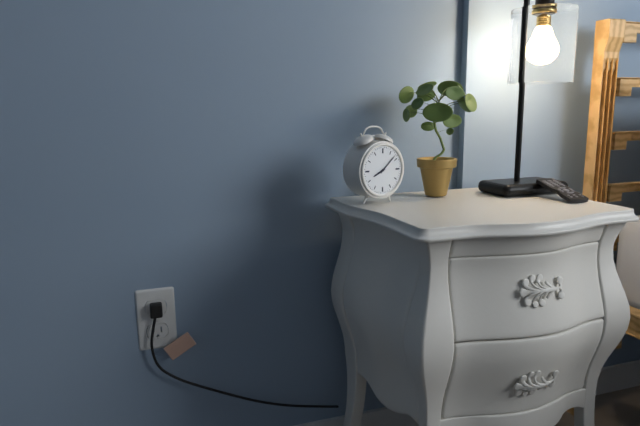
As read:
8 h 08 min
